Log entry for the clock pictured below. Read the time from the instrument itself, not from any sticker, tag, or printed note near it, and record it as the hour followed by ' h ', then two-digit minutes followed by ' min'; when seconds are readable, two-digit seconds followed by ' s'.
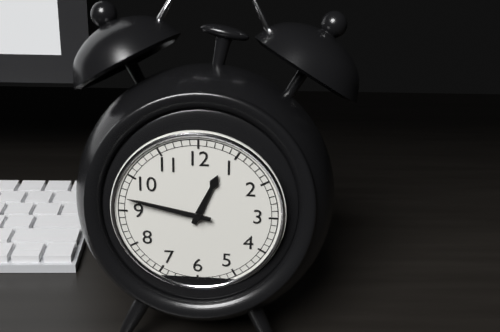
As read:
12 h 47 min
